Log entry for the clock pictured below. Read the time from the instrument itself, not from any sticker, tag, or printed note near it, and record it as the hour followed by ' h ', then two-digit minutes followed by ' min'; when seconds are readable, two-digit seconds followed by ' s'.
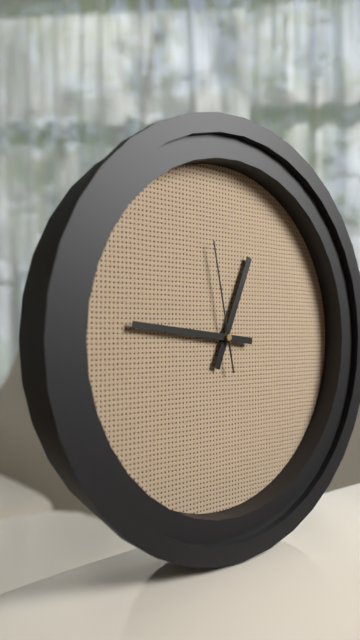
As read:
12 h 46 min 58 s
